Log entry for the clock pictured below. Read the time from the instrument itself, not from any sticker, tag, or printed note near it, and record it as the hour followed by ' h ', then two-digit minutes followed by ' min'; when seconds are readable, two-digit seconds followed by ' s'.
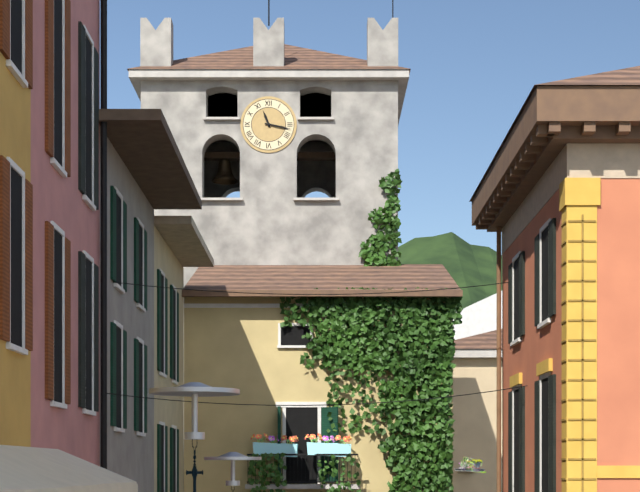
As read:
11 h 17 min
